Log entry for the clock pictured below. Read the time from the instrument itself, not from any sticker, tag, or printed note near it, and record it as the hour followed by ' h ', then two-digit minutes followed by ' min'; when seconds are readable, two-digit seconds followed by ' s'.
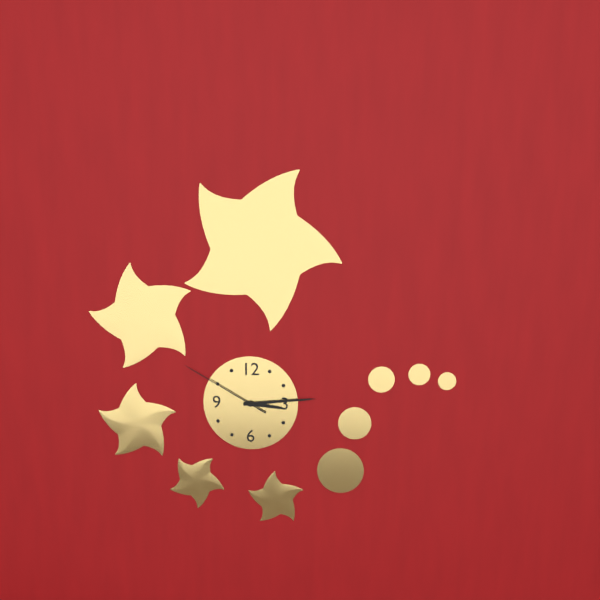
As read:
3 h 14 min 50 s
